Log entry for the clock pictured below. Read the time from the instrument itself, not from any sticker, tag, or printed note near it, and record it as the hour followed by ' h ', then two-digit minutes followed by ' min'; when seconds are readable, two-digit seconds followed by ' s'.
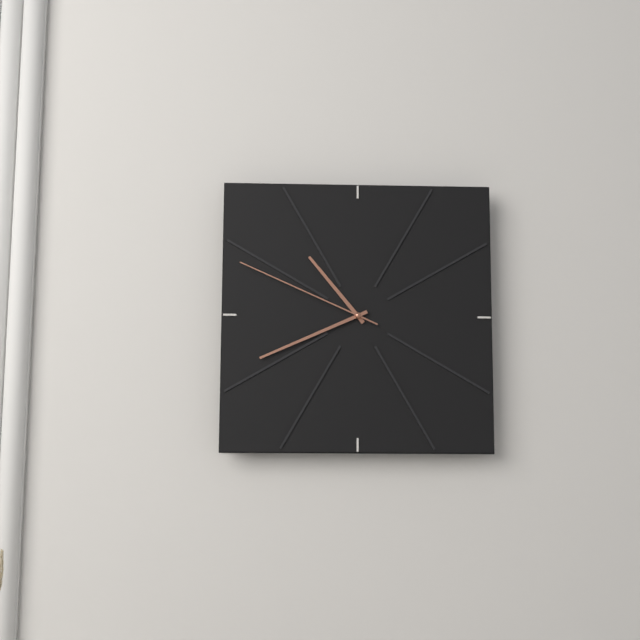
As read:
10 h 41 min 49 s
